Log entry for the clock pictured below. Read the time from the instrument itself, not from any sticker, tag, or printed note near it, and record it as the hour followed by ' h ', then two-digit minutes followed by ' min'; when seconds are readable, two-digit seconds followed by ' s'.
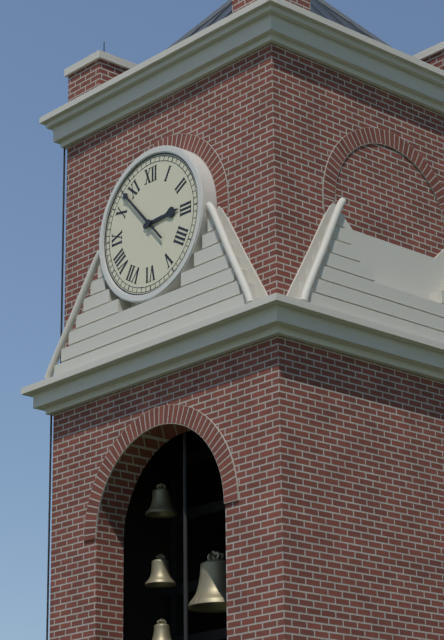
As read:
2 h 53 min
